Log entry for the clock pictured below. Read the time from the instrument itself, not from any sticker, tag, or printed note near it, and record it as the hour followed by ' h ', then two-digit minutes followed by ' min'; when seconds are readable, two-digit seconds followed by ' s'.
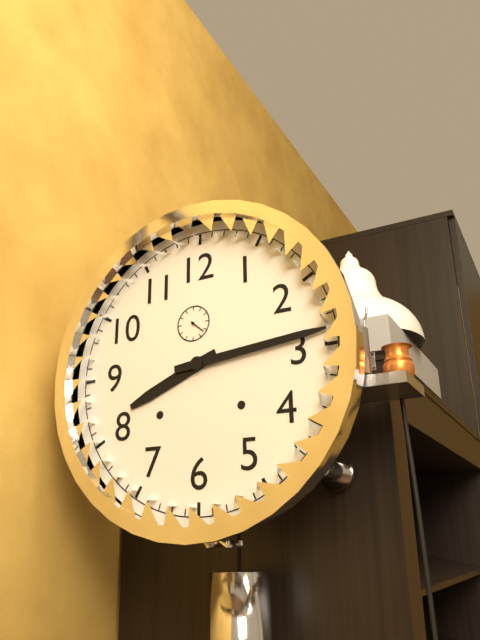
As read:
8 h 14 min
